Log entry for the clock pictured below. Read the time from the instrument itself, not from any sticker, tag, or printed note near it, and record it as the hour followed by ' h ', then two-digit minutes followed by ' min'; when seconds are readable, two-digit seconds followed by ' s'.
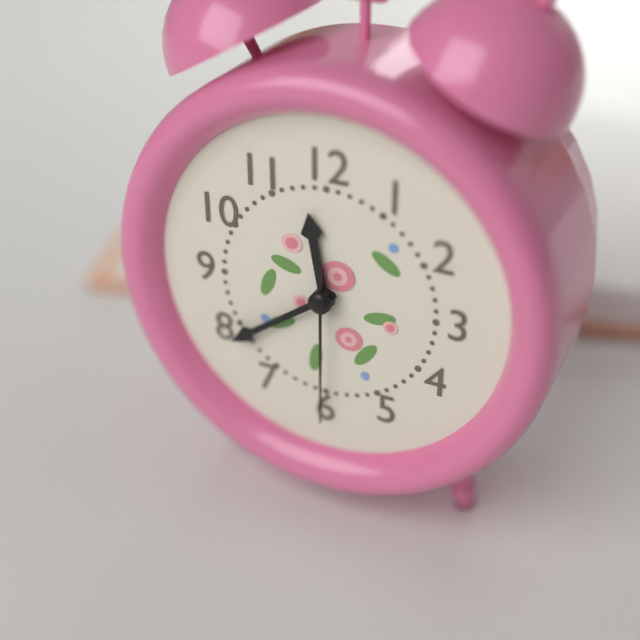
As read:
11 h 39 min 30 s
